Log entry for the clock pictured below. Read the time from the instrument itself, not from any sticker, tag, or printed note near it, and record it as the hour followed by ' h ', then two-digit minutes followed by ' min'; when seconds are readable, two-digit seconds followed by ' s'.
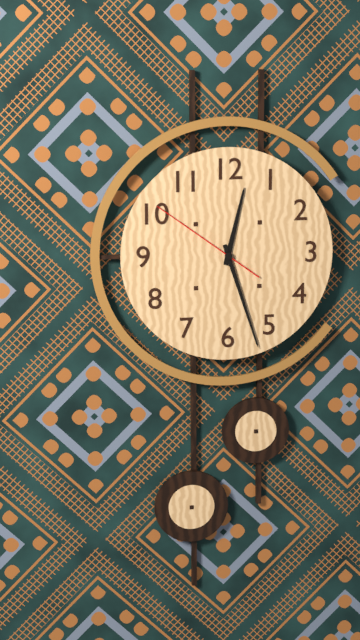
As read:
12 h 27 min 51 s
